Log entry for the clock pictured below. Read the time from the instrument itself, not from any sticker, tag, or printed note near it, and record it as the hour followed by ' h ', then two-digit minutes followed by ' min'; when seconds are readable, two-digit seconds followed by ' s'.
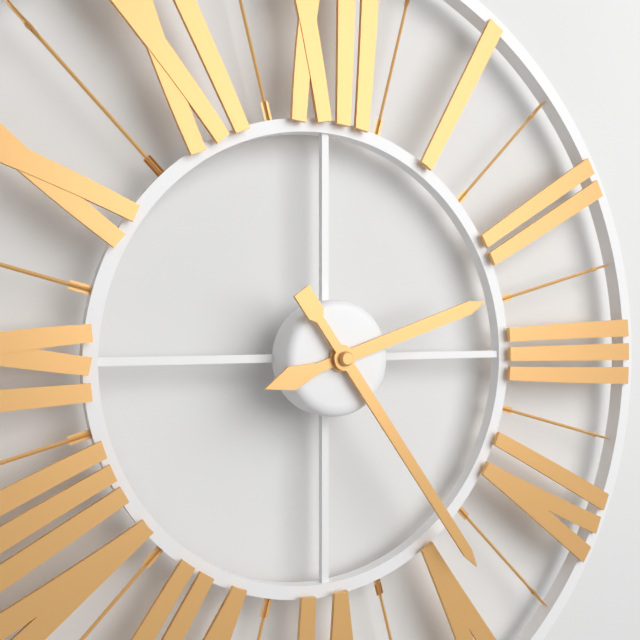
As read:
2 h 24 min
